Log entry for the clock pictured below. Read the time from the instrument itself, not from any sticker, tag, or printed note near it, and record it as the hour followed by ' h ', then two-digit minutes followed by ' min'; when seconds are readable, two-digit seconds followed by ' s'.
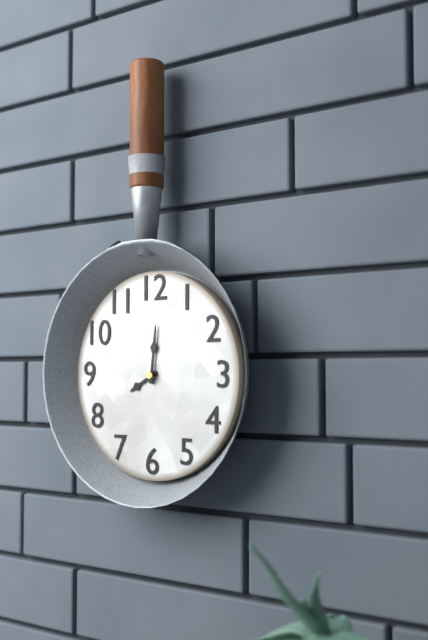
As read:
8 h 01 min
